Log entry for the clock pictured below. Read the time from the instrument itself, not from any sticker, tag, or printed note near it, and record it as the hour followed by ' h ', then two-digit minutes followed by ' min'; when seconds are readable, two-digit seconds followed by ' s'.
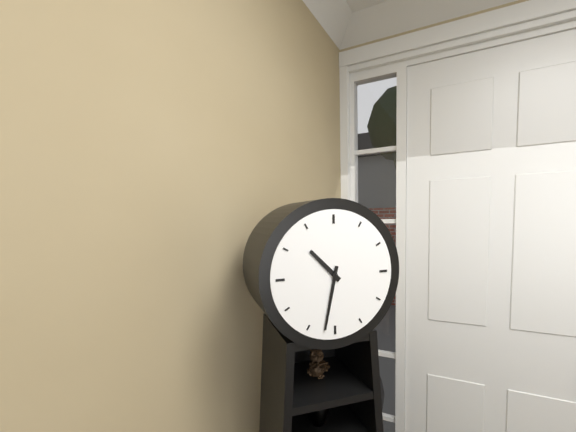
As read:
10 h 32 min
